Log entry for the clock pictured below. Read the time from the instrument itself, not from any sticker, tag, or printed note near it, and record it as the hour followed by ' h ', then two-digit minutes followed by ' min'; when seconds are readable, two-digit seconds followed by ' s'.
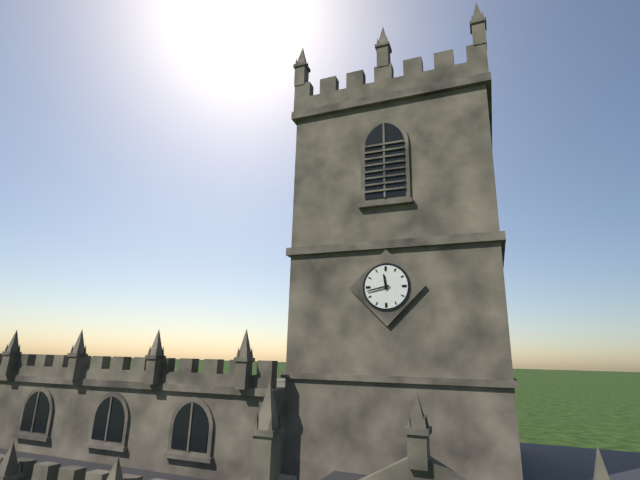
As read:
11 h 43 min
